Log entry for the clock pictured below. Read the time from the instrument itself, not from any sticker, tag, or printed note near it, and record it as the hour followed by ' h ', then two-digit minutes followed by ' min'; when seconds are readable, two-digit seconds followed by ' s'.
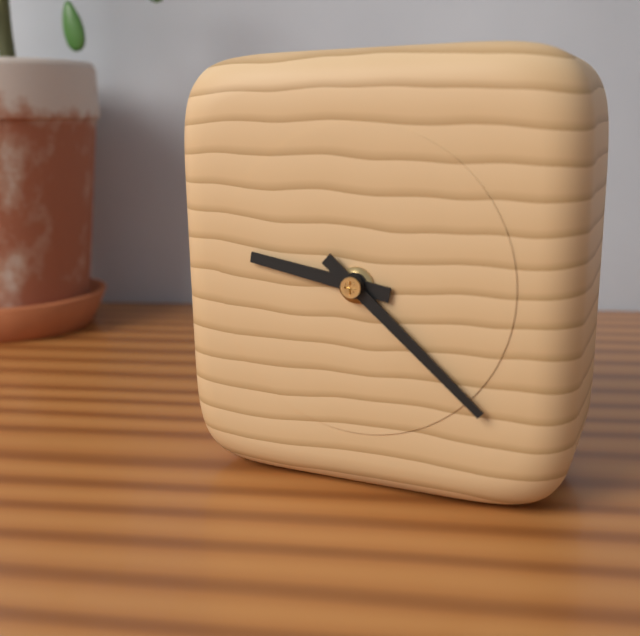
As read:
9 h 22 min
